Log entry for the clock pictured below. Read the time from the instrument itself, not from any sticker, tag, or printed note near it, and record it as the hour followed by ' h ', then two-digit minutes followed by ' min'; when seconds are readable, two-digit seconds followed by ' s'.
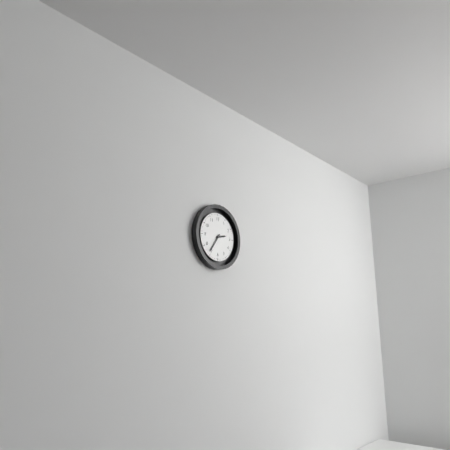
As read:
2 h 36 min
